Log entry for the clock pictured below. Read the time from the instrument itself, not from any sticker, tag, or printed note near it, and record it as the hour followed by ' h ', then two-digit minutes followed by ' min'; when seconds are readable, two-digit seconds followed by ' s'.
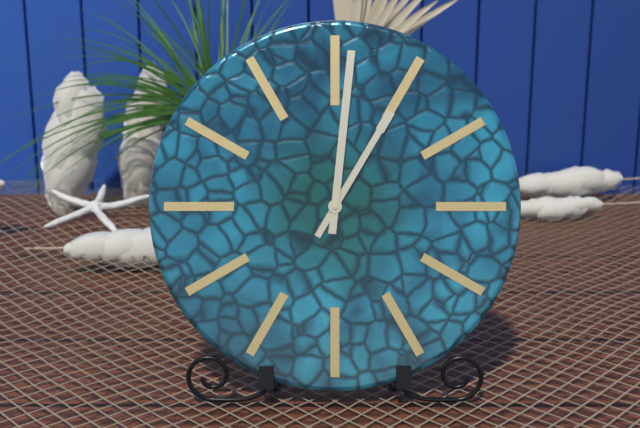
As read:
1 h 01 min
